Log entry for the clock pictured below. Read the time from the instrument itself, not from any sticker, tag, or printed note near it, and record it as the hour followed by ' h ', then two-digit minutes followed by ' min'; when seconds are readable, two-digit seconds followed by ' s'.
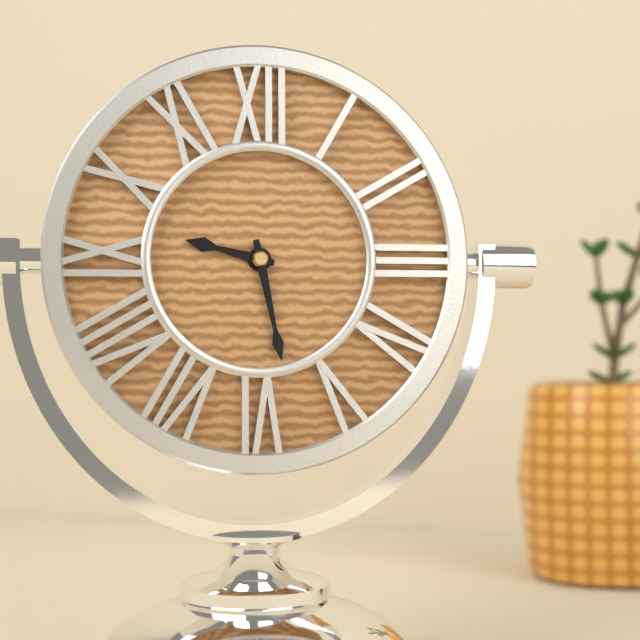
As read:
9 h 28 min
